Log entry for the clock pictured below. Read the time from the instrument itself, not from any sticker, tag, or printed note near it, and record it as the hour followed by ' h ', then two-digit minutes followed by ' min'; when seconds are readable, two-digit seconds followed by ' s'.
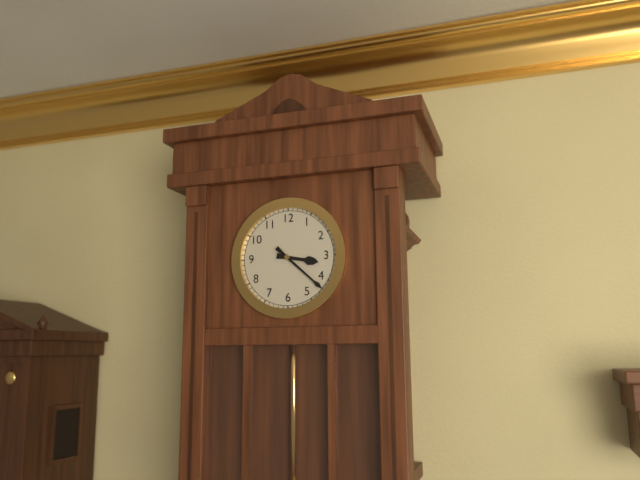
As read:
3 h 22 min
